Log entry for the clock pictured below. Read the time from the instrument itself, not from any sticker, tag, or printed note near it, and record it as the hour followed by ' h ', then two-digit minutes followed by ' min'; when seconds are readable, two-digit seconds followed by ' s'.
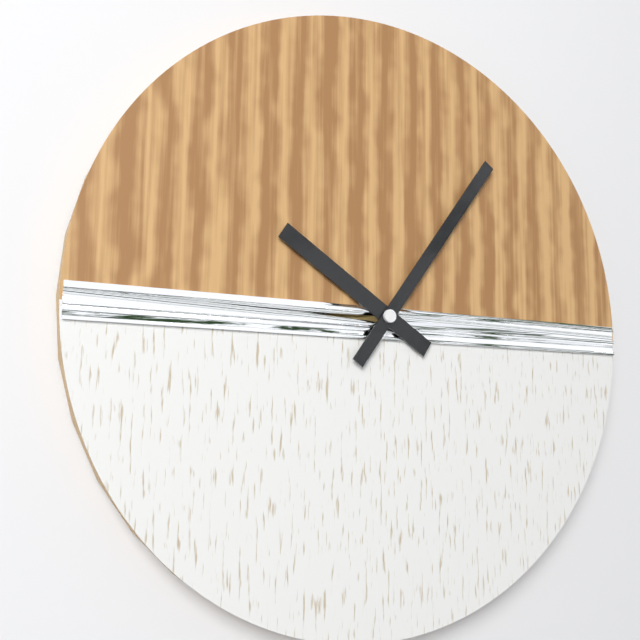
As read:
10 h 06 min
